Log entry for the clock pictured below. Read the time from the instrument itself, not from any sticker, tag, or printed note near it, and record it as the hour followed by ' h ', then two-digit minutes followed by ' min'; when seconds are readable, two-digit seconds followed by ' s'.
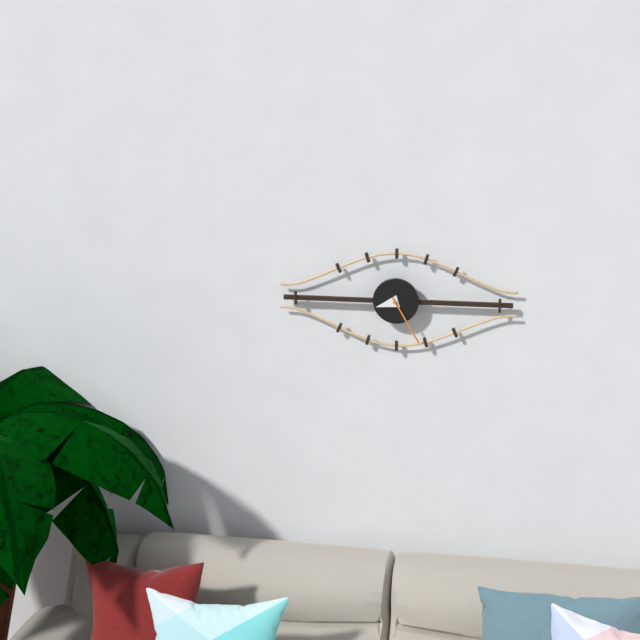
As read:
8 h 25 min
